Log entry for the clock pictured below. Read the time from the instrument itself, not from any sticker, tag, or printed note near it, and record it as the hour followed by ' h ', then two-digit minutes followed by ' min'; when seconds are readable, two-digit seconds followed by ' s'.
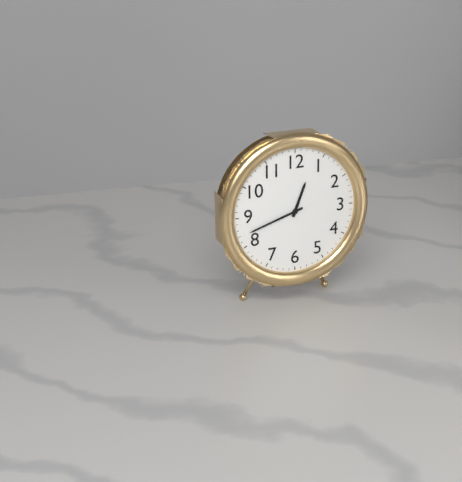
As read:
12 h 42 min
